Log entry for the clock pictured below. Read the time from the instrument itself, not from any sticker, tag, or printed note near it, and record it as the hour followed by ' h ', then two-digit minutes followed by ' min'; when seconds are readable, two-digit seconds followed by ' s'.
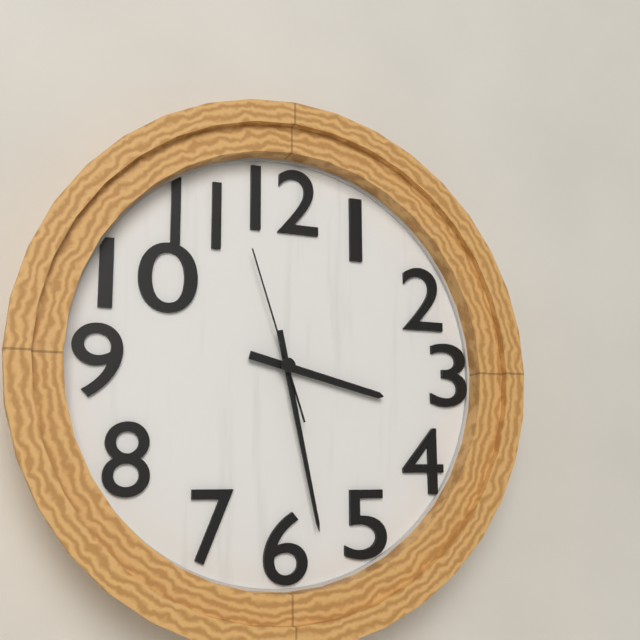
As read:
3 h 28 min 57 s
